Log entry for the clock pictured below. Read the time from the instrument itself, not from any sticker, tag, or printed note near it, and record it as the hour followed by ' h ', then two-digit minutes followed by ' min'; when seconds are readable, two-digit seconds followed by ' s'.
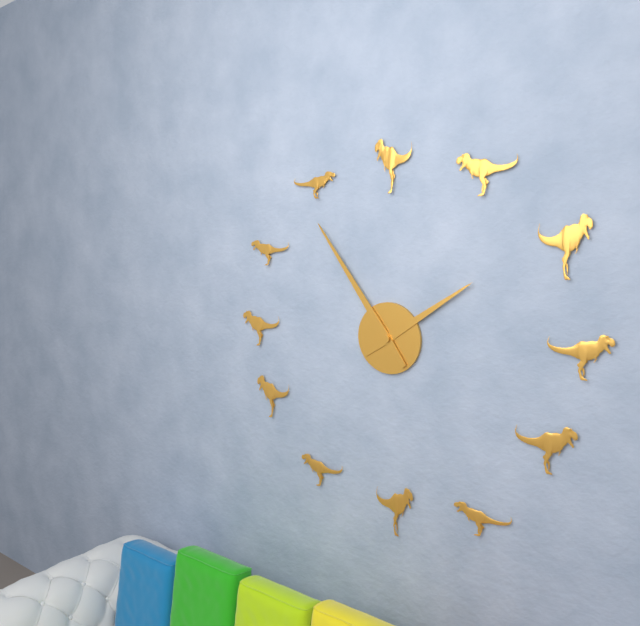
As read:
1 h 54 min
